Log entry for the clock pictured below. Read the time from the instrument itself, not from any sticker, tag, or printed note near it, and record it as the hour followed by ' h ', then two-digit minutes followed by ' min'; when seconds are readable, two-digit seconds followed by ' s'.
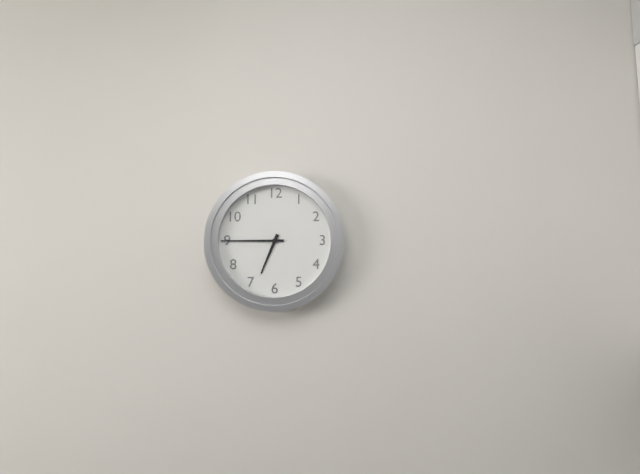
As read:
6 h 45 min
